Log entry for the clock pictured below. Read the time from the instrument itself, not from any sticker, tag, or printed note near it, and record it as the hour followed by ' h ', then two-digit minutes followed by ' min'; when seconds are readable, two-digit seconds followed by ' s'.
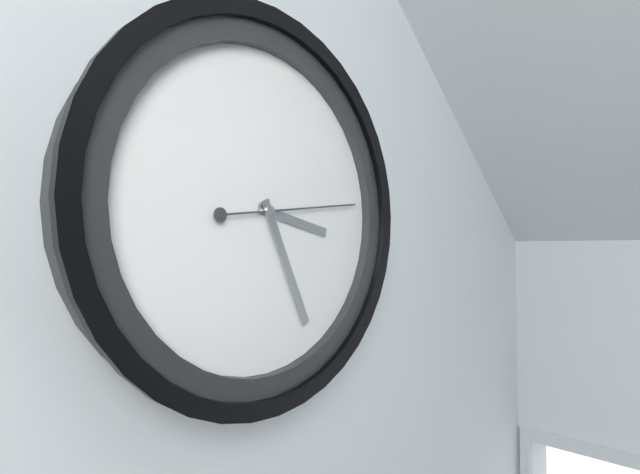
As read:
3 h 26 min 14 s
